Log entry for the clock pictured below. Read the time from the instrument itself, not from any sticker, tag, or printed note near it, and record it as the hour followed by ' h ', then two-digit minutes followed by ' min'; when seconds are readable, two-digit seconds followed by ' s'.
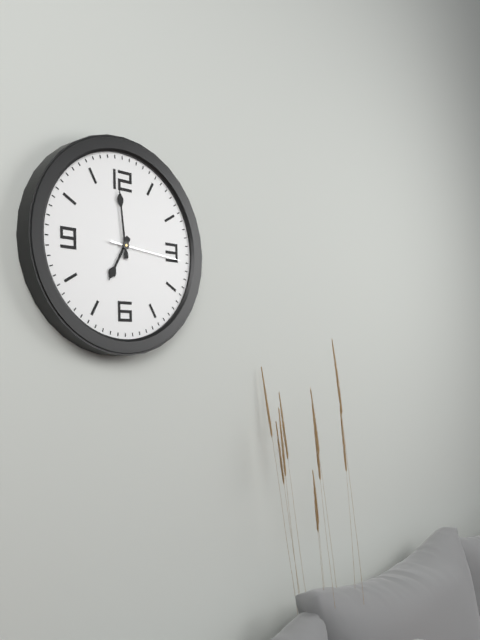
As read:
6 h 59 min 16 s
